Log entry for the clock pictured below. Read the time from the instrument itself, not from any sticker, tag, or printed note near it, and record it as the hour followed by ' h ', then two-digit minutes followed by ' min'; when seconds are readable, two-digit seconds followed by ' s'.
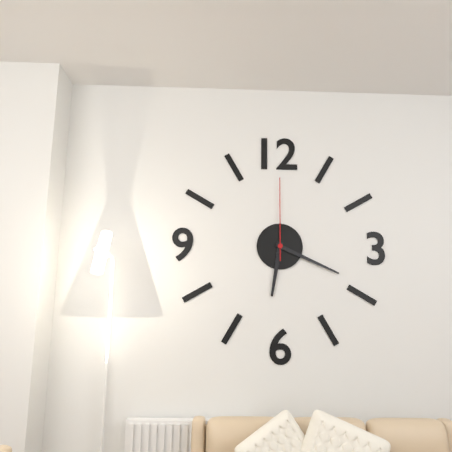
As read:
6 h 19 min 00 s
